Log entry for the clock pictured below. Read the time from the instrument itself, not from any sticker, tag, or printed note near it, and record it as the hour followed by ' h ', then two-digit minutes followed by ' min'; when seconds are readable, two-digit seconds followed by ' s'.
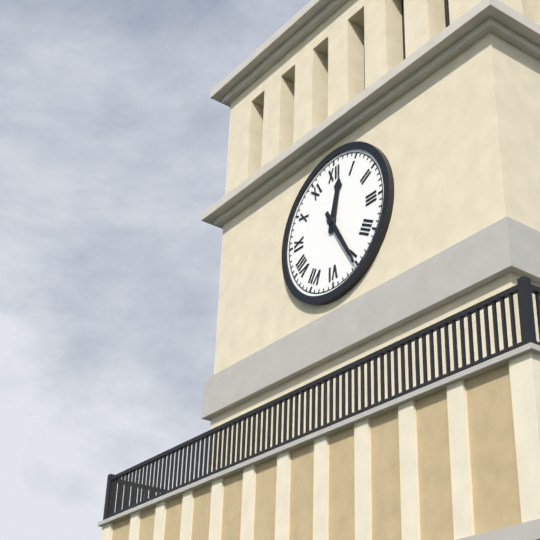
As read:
12 h 25 min
